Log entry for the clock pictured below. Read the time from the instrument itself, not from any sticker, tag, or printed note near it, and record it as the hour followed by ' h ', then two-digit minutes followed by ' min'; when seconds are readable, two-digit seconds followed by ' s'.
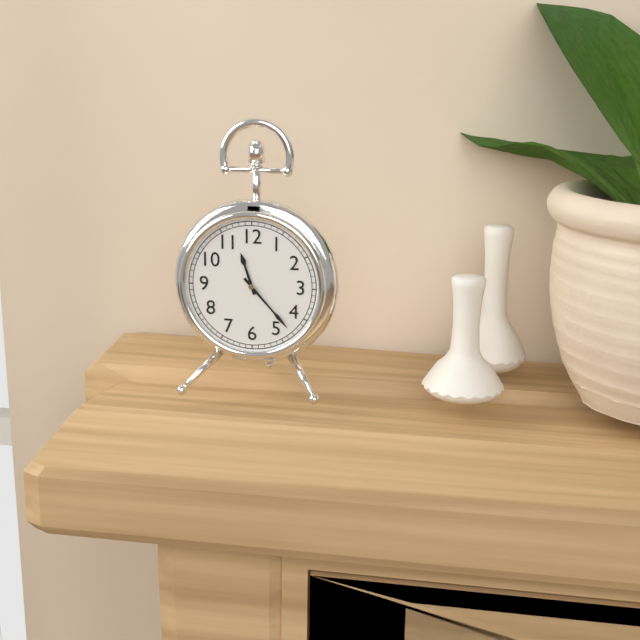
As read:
11 h 23 min
